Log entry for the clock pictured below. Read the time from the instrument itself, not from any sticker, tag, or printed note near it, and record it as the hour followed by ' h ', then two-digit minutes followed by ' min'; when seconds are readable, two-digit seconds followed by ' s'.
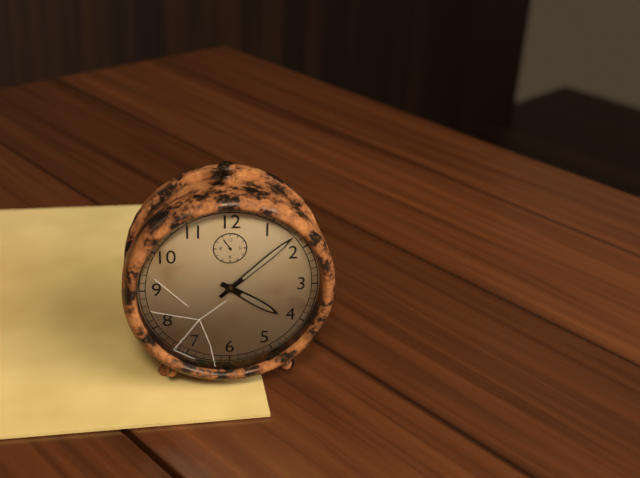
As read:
4 h 08 min
